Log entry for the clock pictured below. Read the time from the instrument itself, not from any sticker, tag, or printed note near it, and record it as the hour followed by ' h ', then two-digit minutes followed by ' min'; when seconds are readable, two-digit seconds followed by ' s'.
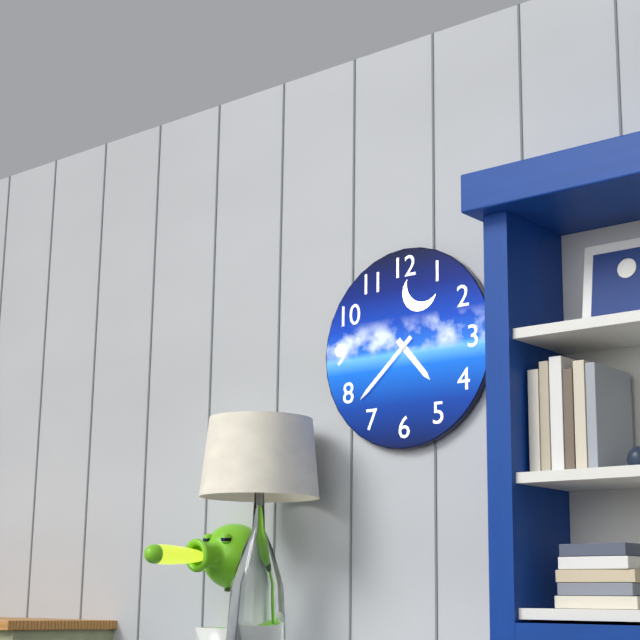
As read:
4 h 38 min
